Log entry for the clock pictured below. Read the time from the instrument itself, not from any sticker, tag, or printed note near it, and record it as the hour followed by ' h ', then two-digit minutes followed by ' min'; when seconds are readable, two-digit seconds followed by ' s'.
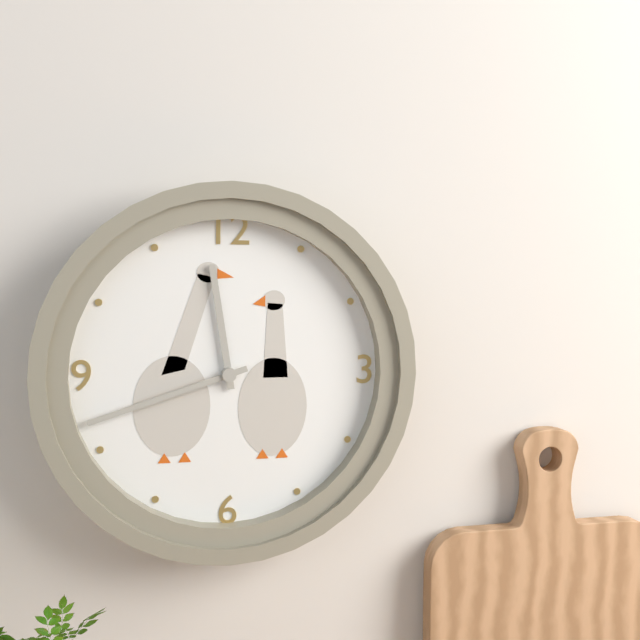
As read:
11 h 42 min
